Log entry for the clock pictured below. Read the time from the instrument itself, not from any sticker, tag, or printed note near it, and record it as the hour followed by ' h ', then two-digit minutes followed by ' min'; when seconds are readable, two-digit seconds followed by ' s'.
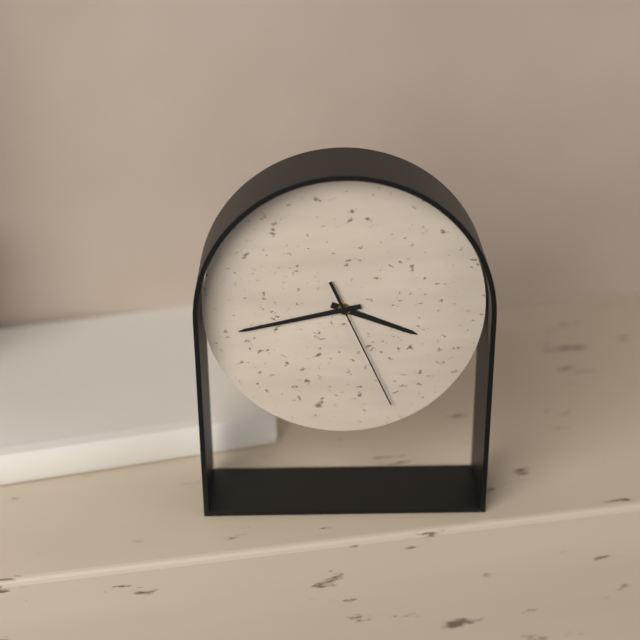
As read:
3 h 43 min 26 s
